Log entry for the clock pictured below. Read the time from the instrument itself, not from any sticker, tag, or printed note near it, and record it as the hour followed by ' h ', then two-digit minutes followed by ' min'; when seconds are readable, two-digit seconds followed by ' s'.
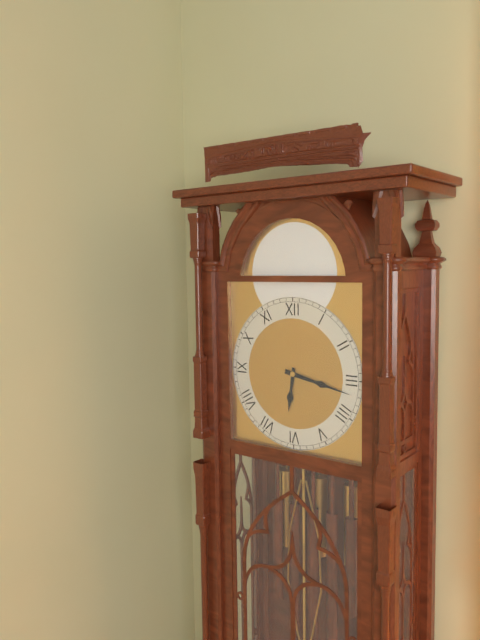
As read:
6 h 17 min
